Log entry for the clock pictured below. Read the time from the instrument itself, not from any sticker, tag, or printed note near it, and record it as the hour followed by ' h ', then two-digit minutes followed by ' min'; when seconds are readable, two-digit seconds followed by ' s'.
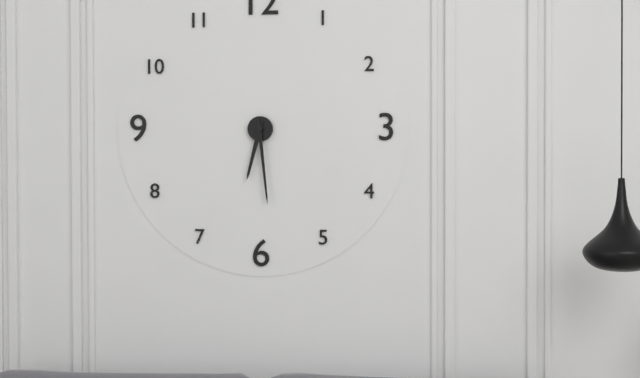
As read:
6 h 29 min
